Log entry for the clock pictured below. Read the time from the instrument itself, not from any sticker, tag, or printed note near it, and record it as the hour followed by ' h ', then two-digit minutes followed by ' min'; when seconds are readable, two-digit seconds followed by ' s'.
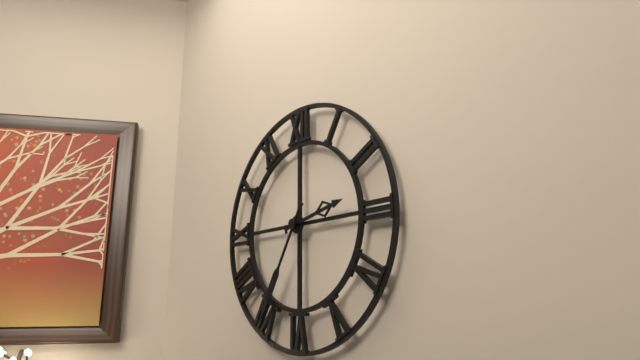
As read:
2 h 35 min
